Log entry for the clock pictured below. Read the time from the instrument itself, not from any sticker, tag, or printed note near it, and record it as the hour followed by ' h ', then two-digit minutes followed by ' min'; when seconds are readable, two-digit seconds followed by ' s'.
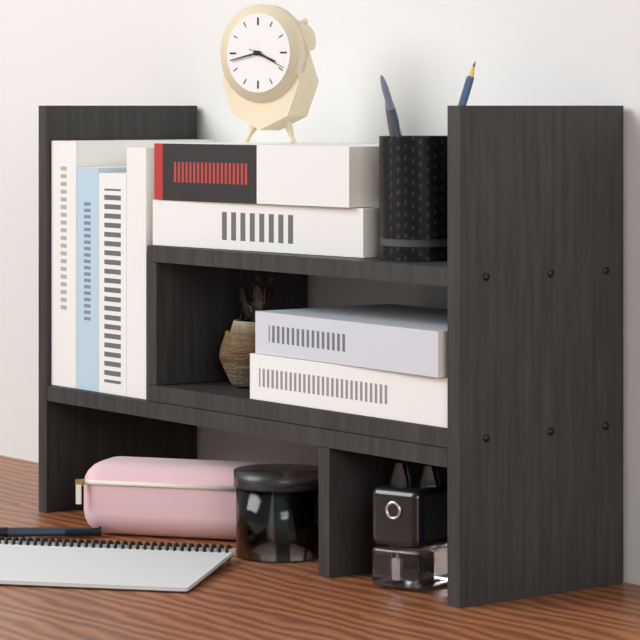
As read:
3 h 43 min
